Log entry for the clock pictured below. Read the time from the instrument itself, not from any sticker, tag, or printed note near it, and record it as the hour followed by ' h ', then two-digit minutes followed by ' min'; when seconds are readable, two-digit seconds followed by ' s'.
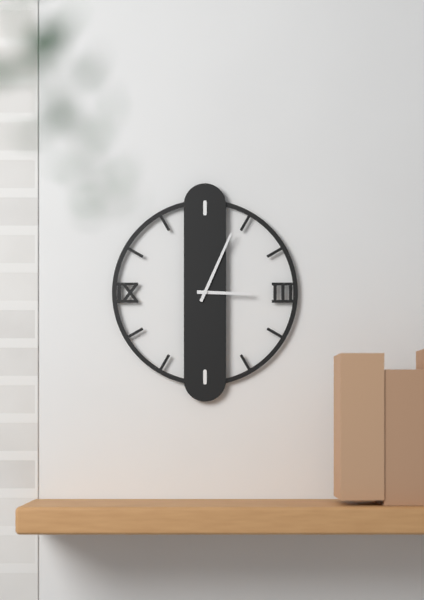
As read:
3 h 04 min
